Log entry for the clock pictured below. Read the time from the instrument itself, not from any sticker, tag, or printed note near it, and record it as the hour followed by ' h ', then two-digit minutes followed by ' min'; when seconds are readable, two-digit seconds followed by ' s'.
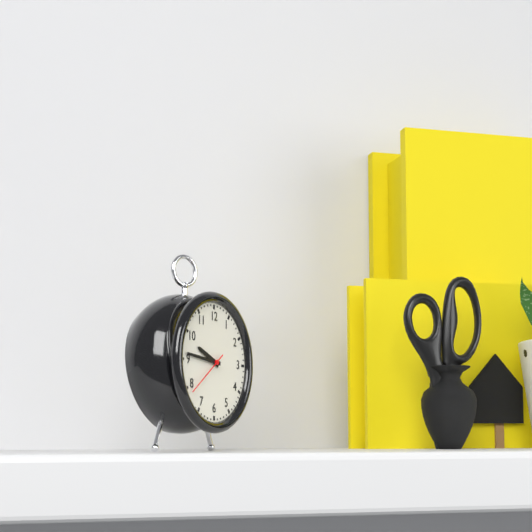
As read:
9 h 46 min
